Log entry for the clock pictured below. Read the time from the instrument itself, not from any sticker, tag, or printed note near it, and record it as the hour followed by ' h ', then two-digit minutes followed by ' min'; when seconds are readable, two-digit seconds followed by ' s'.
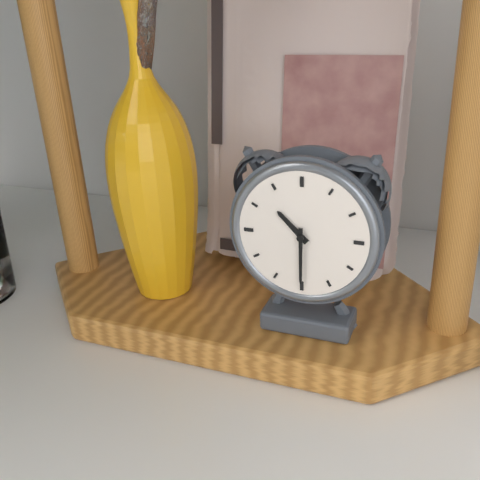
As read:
10 h 30 min
